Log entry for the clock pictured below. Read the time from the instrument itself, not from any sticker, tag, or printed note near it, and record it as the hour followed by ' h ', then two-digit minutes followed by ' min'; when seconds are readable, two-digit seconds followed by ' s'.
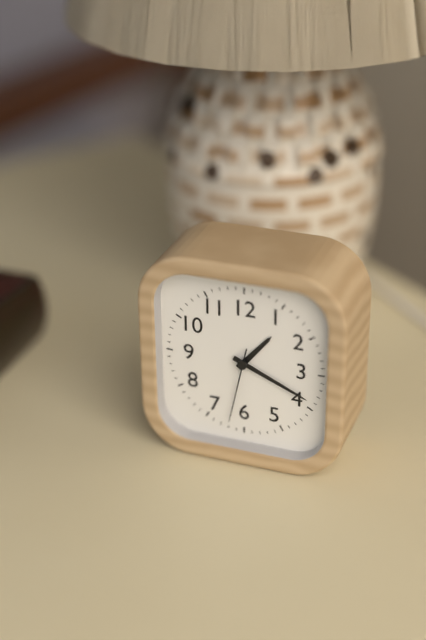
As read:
1 h 19 min 32 s
